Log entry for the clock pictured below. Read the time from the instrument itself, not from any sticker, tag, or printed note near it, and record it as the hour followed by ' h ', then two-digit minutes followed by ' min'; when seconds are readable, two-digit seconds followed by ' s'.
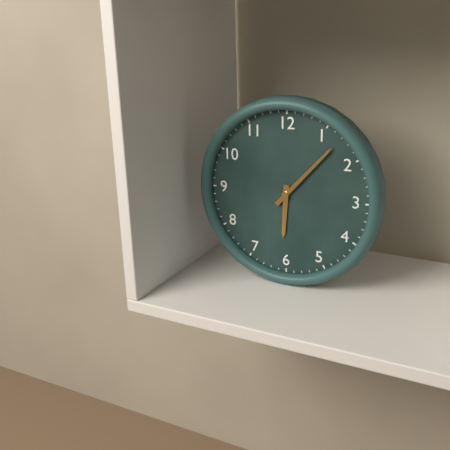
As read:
6 h 07 min
